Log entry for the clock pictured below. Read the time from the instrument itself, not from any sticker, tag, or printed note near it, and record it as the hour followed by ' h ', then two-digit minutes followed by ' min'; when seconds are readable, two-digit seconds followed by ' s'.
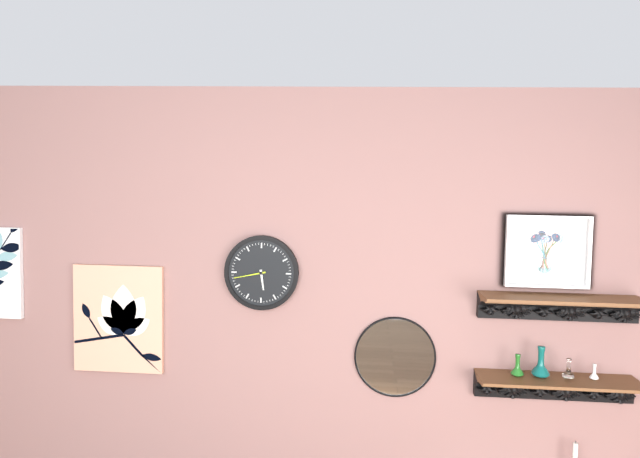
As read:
5 h 43 min
